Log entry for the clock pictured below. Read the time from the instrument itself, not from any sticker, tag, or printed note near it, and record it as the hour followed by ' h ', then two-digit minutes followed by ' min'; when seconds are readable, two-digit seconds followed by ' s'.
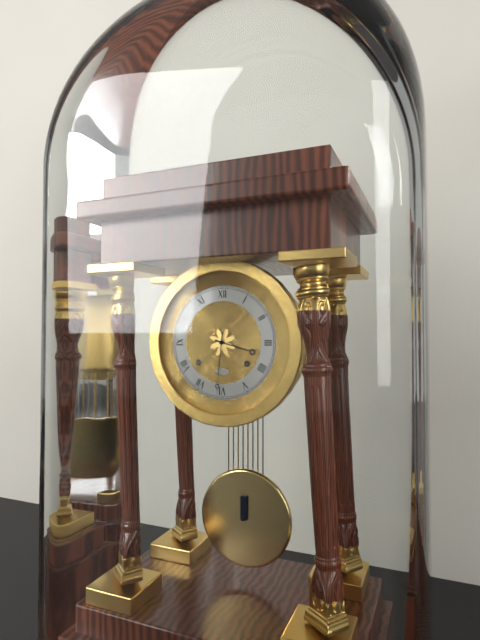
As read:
3 h 31 min
